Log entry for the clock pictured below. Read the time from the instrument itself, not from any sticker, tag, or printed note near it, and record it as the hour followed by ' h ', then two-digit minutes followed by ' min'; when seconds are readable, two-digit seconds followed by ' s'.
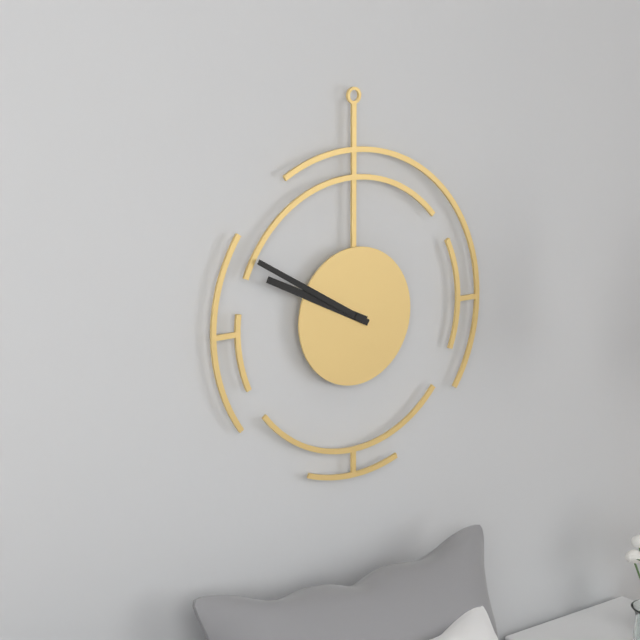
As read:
9 h 50 min
